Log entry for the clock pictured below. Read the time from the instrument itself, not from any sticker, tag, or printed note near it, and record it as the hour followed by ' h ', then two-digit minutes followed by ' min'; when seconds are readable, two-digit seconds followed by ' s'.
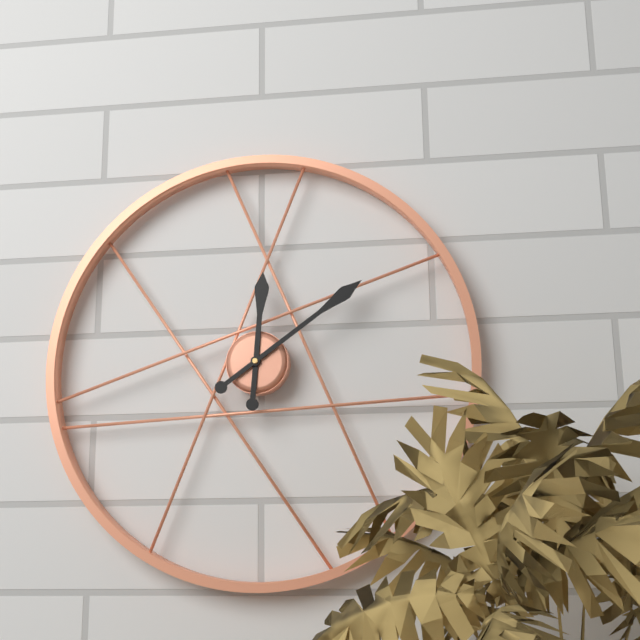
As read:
12 h 09 min
